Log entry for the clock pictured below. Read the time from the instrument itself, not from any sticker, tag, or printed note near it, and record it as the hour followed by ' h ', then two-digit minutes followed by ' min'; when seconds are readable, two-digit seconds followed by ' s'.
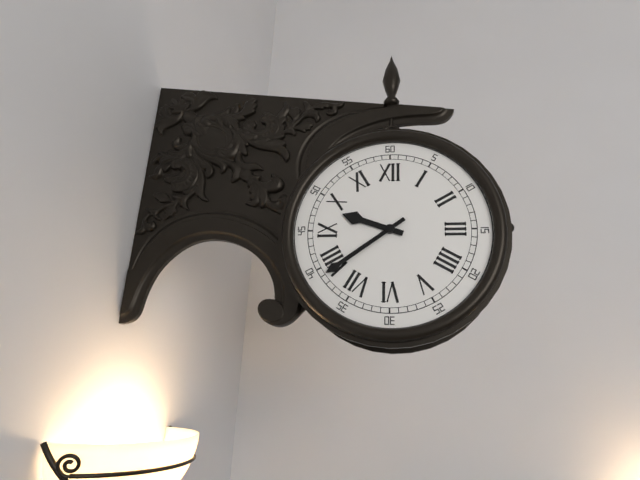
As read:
9 h 39 min
